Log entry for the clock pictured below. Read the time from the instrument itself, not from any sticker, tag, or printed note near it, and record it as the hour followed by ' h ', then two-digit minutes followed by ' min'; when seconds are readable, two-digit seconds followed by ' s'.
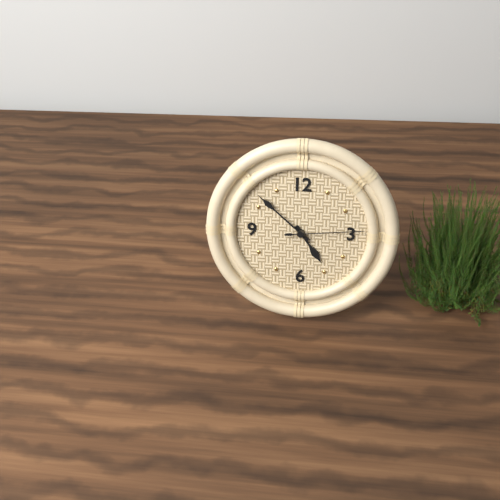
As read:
4 h 52 min 14 s
